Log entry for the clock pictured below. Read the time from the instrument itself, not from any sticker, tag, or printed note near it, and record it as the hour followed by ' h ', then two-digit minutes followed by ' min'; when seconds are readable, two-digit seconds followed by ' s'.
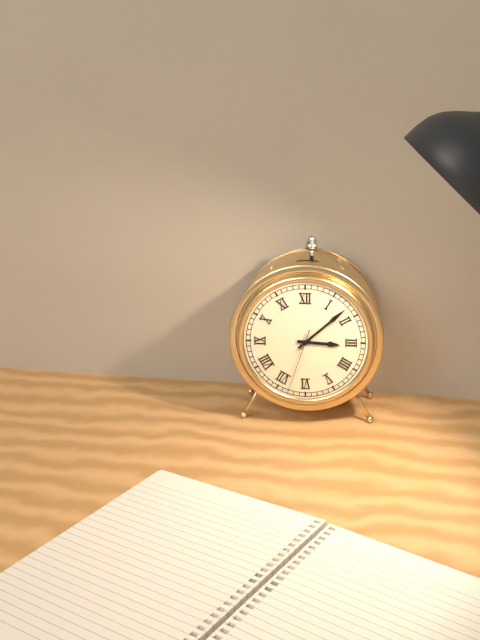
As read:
3 h 08 min 33 s
